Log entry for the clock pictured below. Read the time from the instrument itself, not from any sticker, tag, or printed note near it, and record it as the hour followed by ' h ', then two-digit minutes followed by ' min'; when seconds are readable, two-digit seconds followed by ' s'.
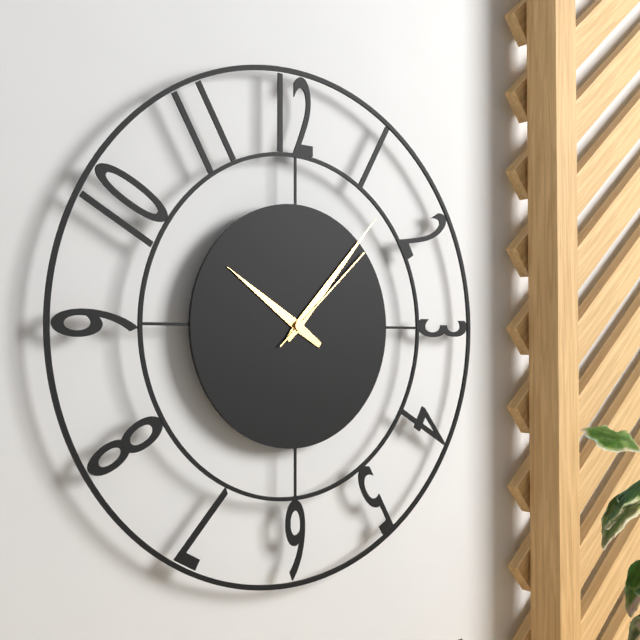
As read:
10 h 07 min 08 s
